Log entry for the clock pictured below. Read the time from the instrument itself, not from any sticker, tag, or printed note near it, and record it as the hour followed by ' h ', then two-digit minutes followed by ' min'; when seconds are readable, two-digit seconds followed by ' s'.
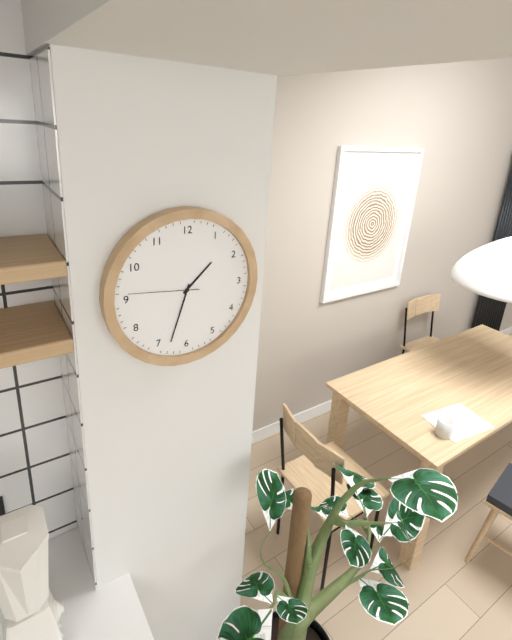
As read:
1 h 33 min 46 s
